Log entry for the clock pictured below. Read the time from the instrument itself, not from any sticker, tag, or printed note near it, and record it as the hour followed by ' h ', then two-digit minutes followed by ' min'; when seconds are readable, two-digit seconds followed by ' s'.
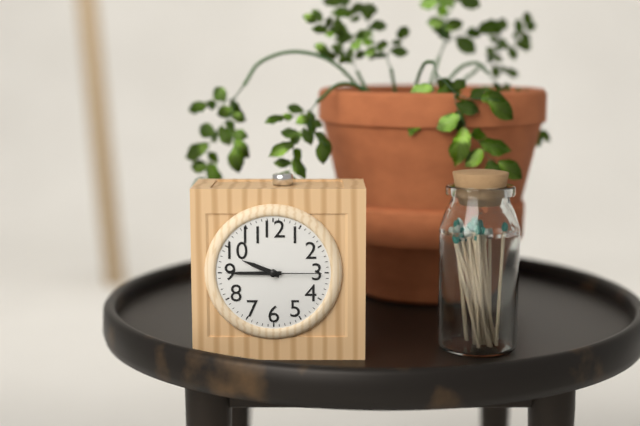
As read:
9 h 45 min 15 s
